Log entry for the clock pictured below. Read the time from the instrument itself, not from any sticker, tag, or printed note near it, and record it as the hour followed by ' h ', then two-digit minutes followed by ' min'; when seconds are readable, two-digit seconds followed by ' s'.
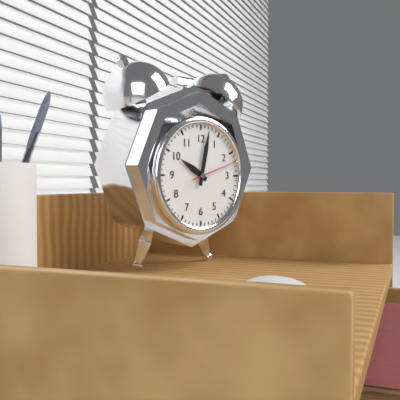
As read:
10 h 02 min
